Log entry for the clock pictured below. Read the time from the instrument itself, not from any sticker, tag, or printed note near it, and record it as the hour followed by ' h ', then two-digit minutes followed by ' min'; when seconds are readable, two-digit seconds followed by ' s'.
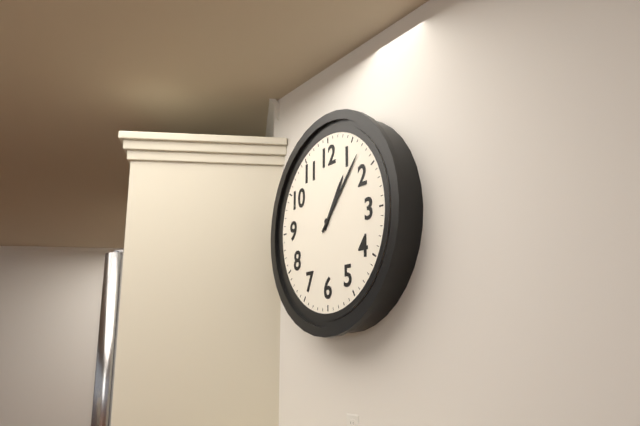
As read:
1 h 07 min
